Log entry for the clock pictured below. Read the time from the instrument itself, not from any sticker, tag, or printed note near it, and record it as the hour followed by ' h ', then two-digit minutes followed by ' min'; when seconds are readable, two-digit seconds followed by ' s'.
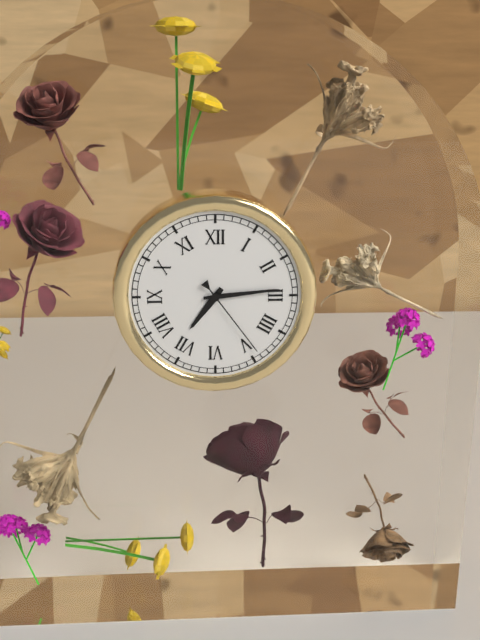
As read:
7 h 14 min 24 s
